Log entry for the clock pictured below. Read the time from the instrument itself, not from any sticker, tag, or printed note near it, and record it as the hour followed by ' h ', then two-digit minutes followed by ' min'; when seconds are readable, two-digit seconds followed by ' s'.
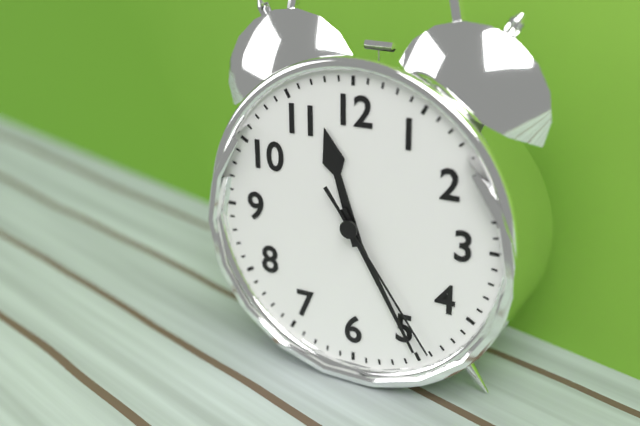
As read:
11 h 25 min 24 s
